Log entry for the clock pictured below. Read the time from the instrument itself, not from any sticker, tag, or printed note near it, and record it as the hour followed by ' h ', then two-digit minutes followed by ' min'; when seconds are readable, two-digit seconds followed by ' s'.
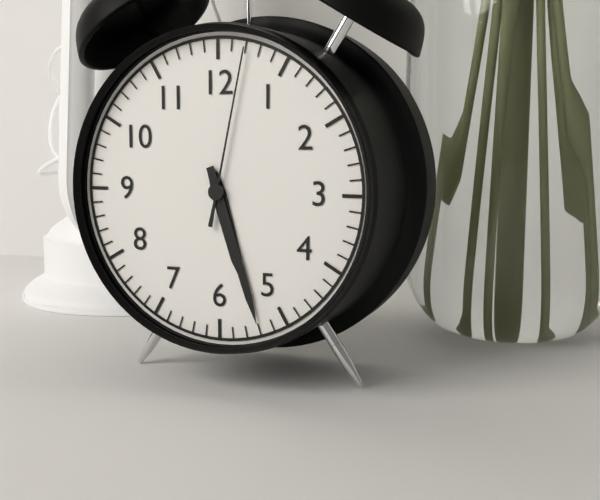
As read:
5 h 27 min 02 s
